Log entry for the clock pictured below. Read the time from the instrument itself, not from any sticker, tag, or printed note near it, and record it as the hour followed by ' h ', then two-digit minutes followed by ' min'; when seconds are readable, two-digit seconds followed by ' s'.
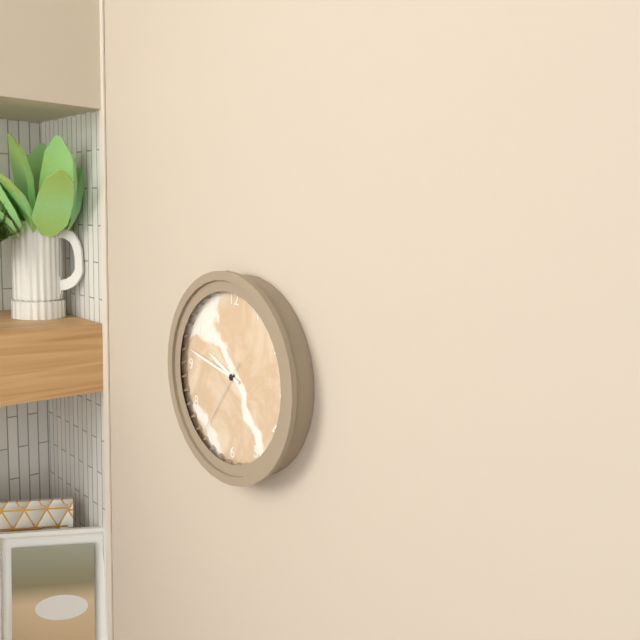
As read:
9 h 47 min 36 s
